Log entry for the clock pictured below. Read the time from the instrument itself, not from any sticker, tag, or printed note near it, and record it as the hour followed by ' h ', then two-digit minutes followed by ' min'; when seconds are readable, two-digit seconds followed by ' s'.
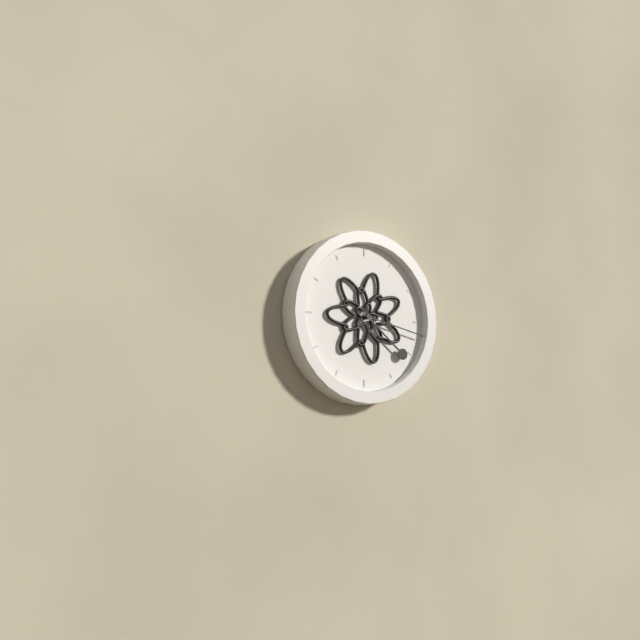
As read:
4 h 17 min
